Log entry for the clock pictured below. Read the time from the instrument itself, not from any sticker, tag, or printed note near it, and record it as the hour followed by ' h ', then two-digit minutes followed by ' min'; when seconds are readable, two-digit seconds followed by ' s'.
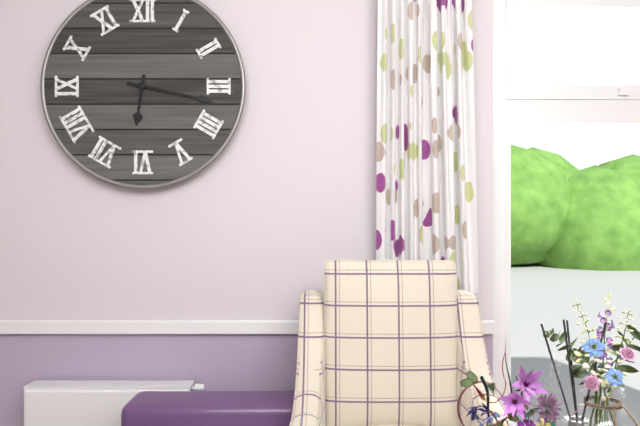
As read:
6 h 17 min
